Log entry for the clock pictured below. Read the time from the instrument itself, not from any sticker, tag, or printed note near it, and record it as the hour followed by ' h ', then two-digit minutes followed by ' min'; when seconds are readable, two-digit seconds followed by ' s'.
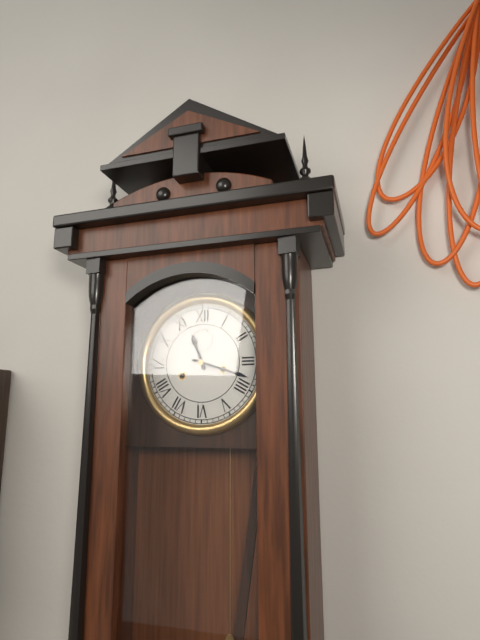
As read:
11 h 18 min
